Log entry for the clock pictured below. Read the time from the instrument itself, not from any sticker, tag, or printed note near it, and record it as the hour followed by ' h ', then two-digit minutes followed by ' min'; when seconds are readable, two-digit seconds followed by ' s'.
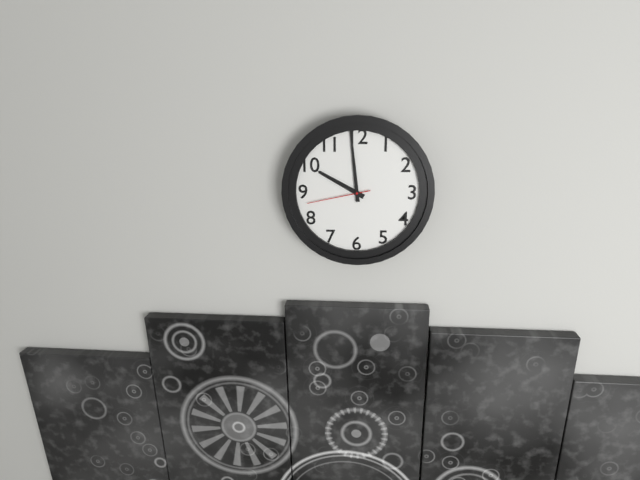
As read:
9 h 59 min 43 s
